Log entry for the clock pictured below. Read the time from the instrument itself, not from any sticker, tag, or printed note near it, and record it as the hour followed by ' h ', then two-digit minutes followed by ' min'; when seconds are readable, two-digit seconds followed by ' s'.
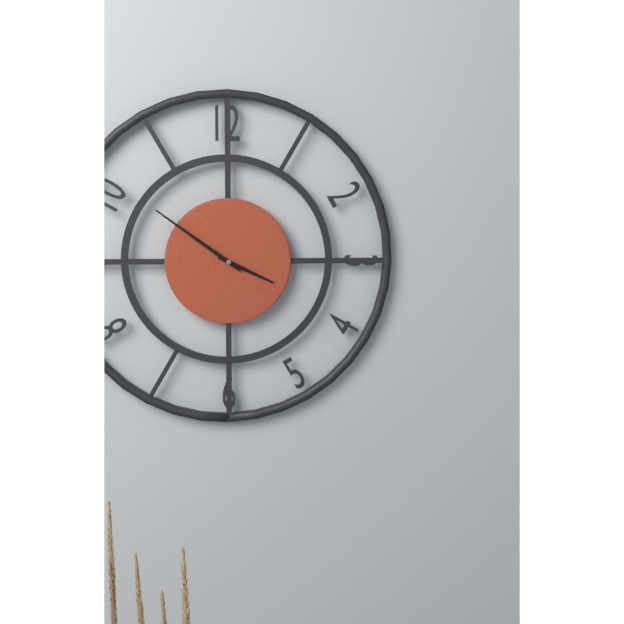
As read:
3 h 51 min
